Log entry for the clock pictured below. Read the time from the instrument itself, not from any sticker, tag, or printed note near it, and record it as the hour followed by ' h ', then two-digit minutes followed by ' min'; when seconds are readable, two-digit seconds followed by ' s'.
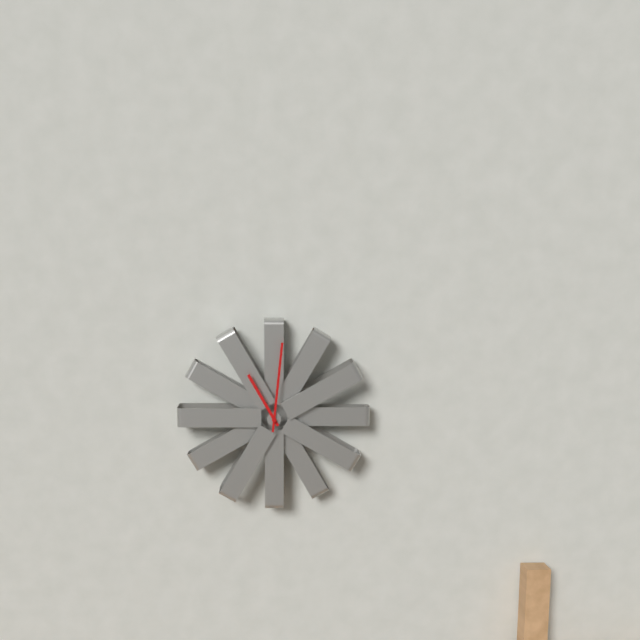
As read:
11 h 01 min
